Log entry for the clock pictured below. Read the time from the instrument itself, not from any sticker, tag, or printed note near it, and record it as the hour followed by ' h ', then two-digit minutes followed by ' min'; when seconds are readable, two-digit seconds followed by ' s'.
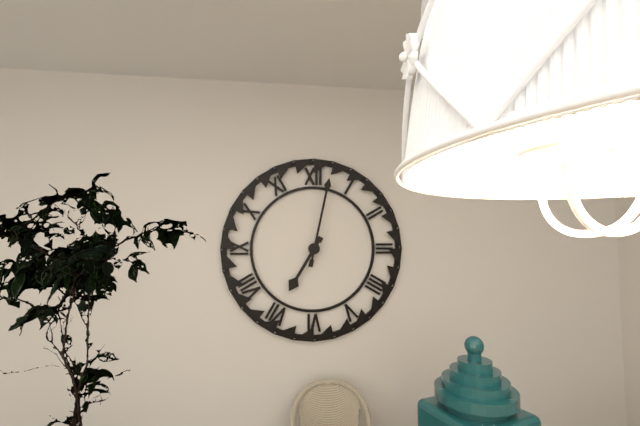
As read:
7 h 02 min
